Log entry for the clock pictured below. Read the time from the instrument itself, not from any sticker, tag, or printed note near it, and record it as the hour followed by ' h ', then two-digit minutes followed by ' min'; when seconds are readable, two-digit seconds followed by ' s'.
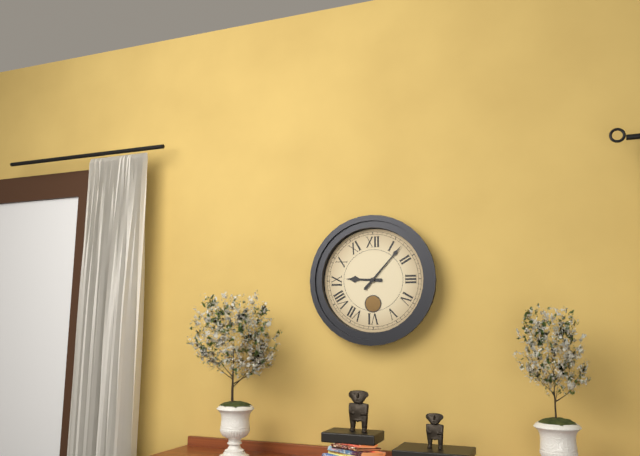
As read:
9 h 07 min
